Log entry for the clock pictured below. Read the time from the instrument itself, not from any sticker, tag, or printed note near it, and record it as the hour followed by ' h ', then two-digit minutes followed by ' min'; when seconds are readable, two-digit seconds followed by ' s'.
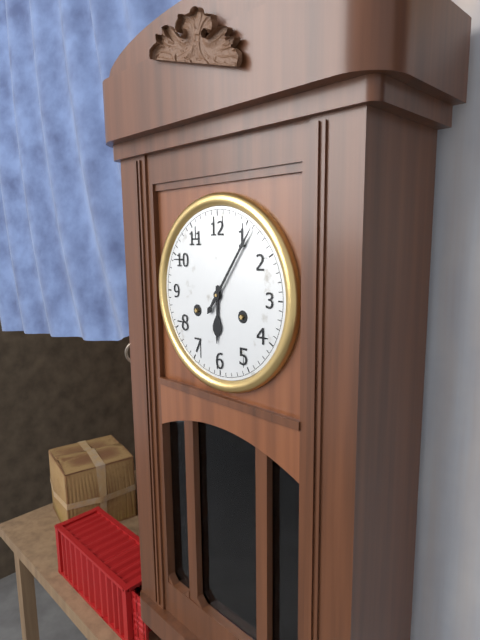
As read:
6 h 06 min
